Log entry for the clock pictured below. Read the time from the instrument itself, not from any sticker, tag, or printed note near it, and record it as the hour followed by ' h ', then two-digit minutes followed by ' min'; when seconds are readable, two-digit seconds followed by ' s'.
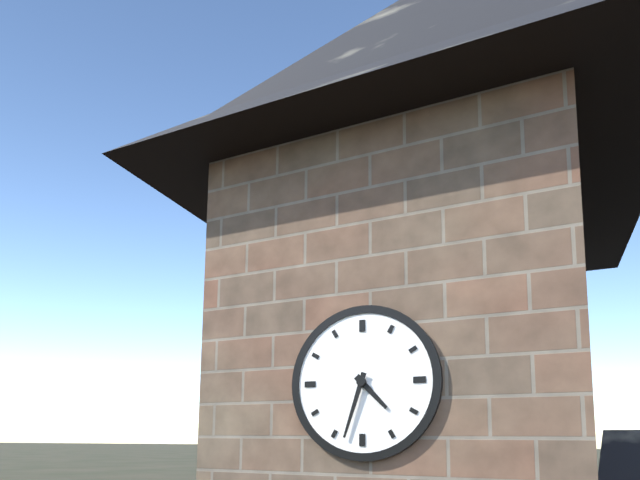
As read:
4 h 33 min
